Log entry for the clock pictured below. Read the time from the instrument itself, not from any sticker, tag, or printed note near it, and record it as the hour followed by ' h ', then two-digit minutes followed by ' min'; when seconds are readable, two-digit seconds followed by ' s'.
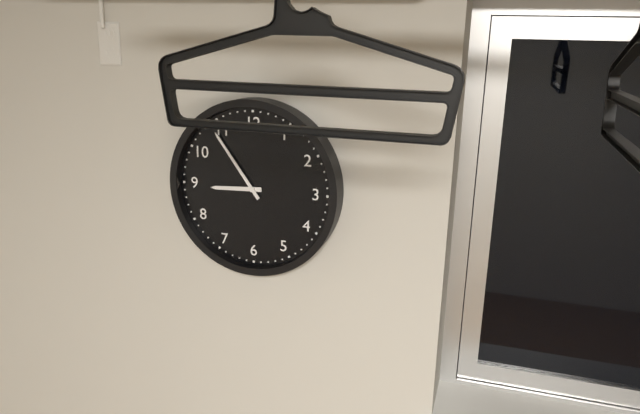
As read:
8 h 54 min
